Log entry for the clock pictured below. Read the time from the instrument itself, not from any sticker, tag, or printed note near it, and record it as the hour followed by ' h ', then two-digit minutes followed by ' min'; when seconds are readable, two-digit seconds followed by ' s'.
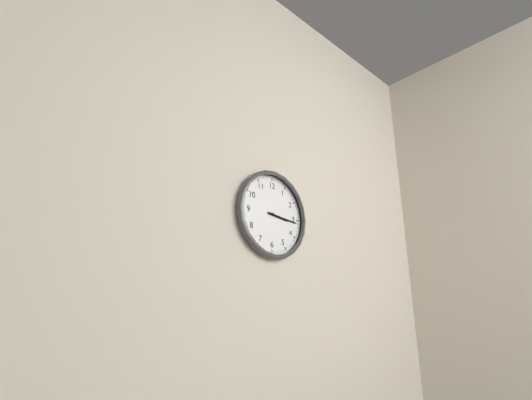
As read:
3 h 16 min
